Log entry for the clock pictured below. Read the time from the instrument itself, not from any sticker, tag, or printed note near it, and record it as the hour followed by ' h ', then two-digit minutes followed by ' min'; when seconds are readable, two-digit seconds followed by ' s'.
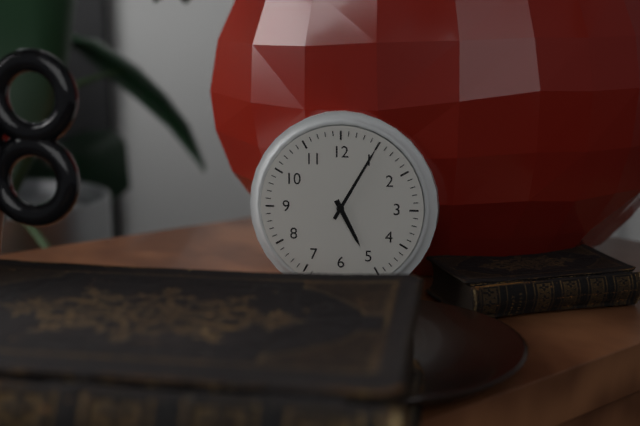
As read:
5 h 05 min
